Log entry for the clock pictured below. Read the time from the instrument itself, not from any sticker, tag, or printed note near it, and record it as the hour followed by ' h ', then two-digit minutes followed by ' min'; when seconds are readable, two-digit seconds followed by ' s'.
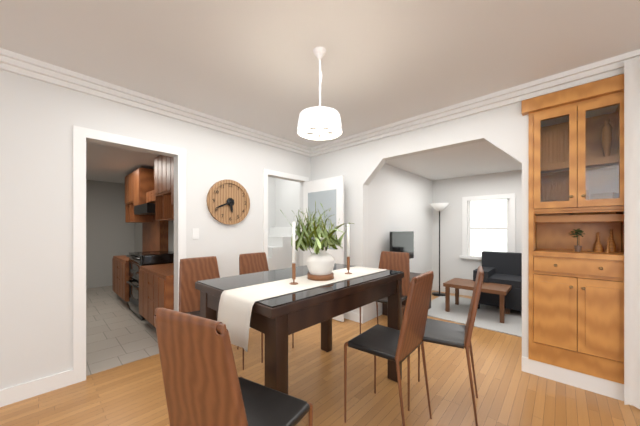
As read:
5 h 41 min
